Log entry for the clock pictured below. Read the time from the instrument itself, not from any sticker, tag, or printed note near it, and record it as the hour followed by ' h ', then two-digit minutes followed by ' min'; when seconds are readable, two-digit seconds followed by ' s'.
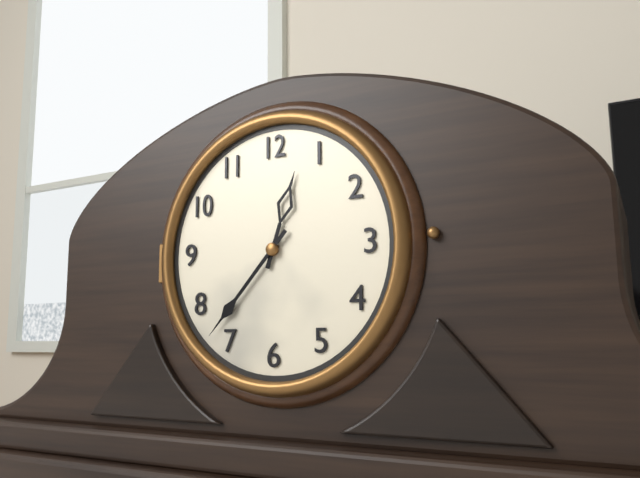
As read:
12 h 37 min
